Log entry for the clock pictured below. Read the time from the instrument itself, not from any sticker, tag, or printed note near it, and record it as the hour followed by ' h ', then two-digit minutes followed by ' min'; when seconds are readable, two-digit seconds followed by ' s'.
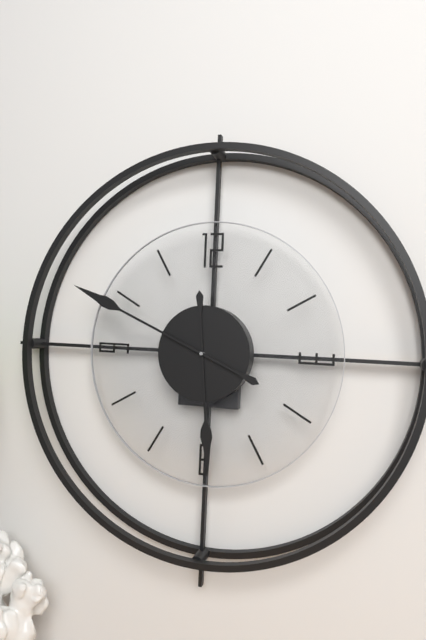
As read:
5 h 49 min
